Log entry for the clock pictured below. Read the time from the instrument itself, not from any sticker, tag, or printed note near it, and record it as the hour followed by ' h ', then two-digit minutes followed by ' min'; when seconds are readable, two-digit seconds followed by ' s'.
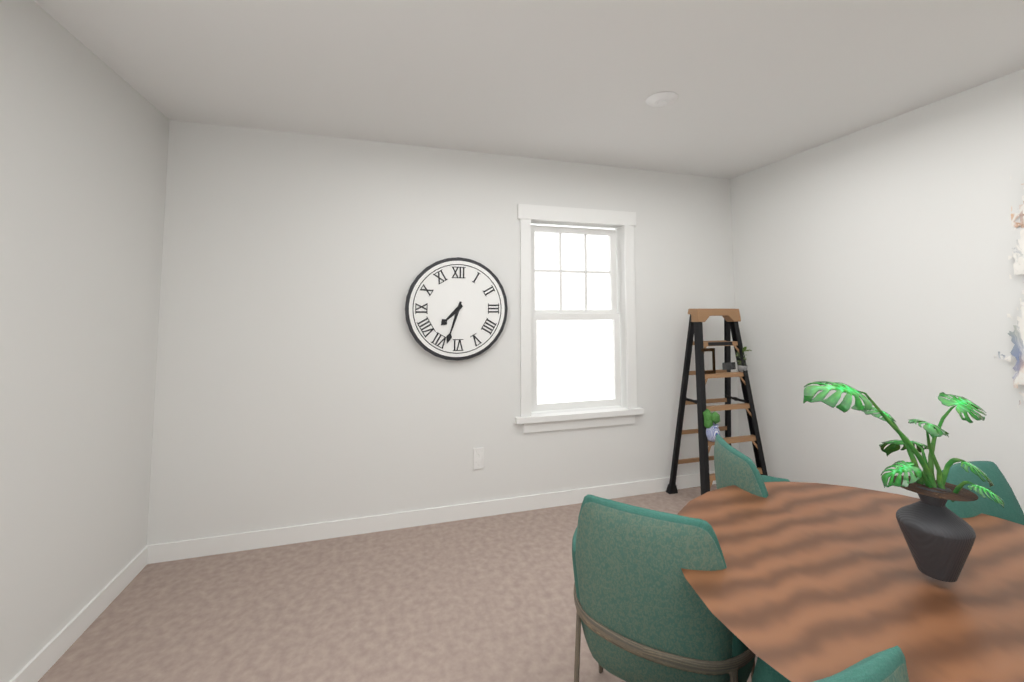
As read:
7 h 33 min
